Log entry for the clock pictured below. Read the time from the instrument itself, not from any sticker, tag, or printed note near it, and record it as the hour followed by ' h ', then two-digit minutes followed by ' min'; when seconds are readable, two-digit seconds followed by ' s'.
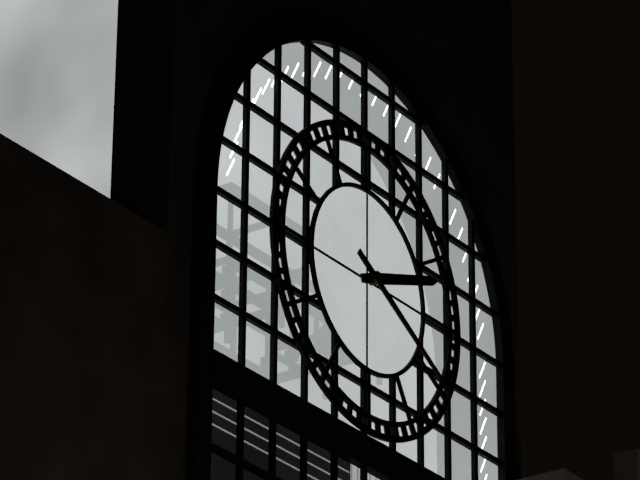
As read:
2 h 20 min
